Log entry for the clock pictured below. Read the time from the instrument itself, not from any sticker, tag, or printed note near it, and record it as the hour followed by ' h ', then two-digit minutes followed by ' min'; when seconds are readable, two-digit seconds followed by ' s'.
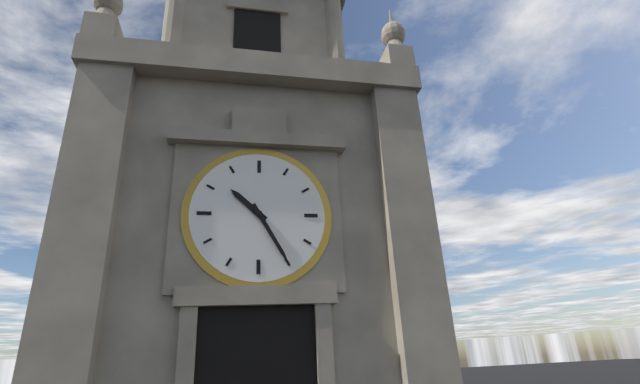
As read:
10 h 25 min
